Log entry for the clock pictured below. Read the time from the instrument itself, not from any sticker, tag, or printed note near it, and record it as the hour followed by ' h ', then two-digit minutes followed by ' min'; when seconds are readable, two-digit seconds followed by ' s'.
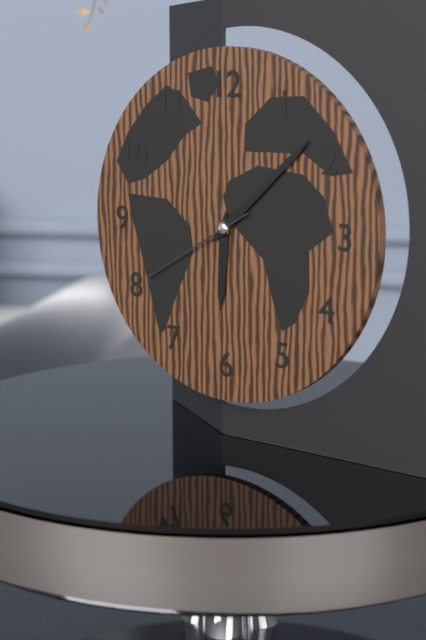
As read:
6 h 08 min 40 s
